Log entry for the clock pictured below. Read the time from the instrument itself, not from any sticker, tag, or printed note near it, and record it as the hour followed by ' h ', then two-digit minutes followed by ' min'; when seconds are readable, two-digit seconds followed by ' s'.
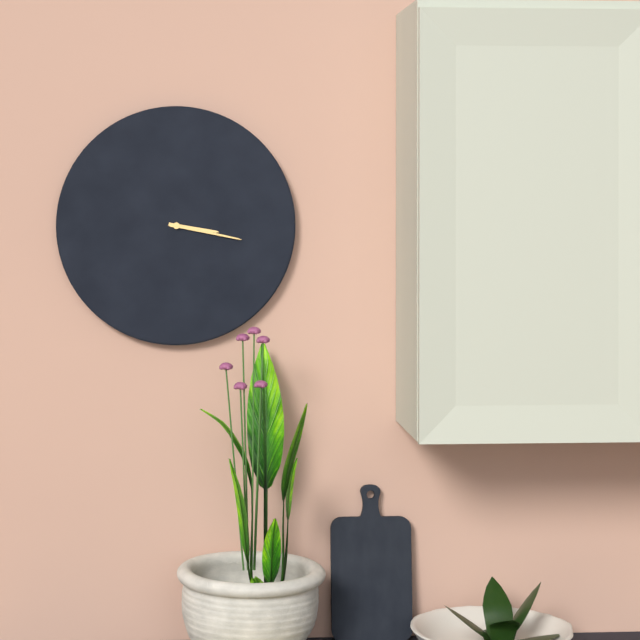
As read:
3 h 17 min
